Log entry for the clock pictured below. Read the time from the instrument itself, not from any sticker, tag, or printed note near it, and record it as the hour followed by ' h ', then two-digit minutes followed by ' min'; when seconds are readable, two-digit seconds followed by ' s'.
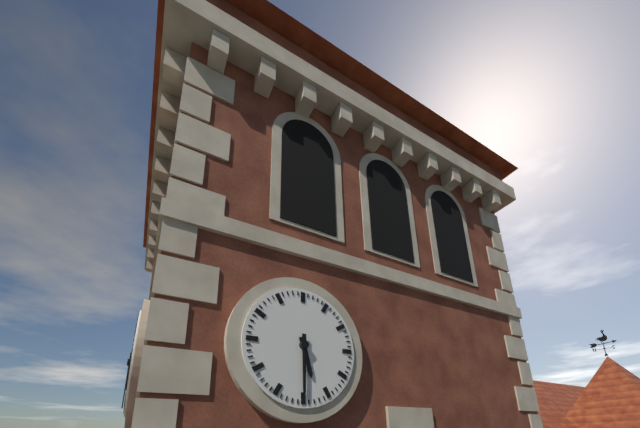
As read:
5 h 30 min
